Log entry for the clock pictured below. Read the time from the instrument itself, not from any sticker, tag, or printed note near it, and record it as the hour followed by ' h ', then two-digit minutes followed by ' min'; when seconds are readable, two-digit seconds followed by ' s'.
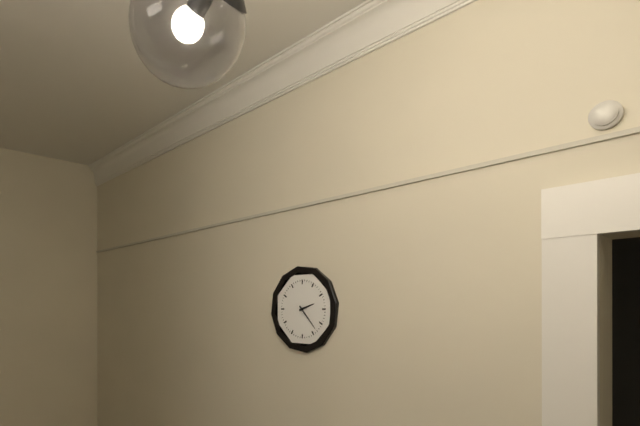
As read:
2 h 23 min
